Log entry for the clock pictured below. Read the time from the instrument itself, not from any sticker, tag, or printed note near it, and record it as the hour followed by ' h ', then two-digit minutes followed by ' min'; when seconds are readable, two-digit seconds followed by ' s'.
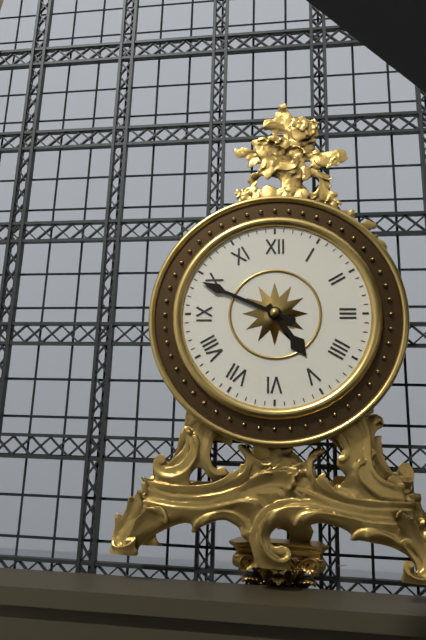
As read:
4 h 49 min
